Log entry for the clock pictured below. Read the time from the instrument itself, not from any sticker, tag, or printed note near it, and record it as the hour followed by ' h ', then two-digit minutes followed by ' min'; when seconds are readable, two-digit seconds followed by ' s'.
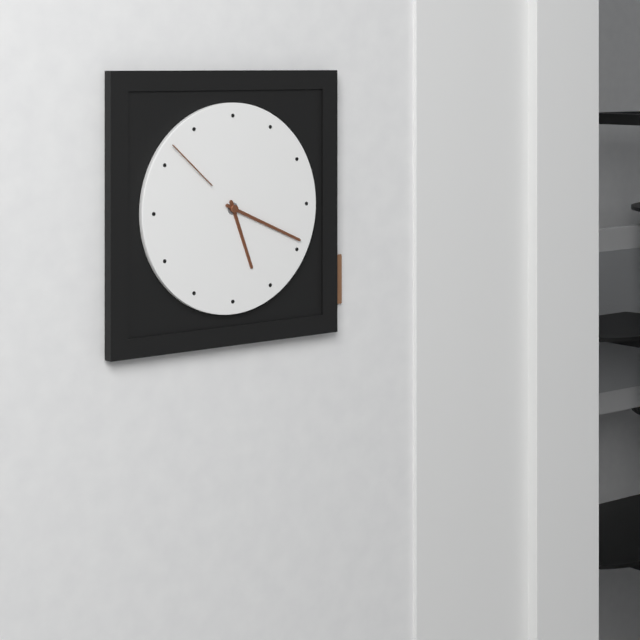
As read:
5 h 19 min 52 s
